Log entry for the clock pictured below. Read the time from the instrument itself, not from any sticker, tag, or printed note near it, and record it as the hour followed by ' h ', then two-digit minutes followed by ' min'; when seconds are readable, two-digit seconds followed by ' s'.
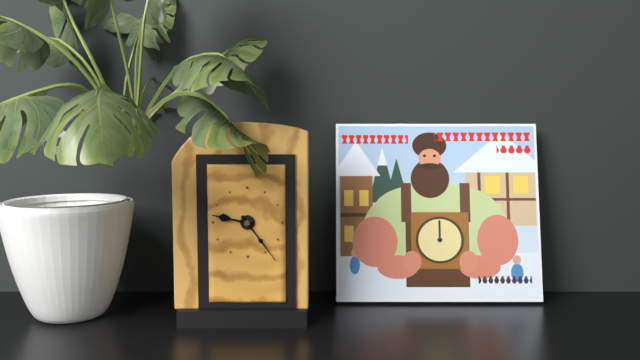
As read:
9 h 24 min
